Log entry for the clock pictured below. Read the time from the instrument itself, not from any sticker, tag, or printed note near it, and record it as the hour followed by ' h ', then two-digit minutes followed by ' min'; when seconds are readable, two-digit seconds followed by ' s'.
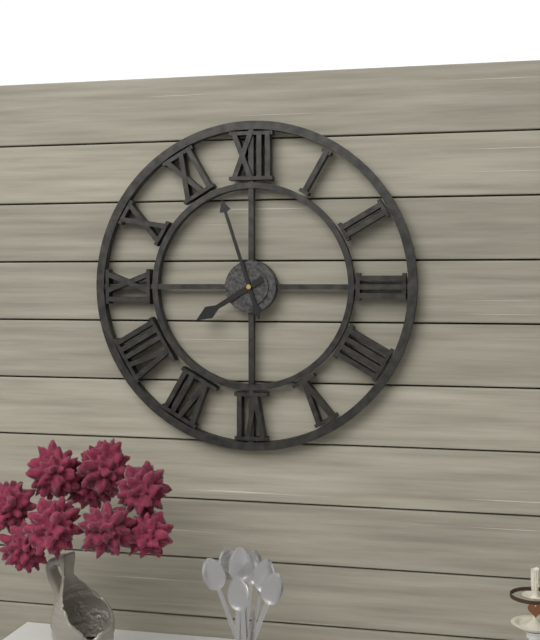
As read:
7 h 57 min
